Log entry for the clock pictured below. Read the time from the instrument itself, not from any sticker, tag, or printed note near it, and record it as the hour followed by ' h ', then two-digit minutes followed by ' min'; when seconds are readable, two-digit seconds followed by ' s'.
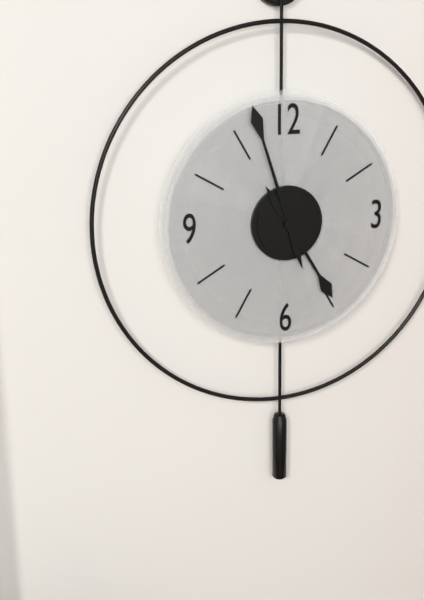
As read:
4 h 57 min
